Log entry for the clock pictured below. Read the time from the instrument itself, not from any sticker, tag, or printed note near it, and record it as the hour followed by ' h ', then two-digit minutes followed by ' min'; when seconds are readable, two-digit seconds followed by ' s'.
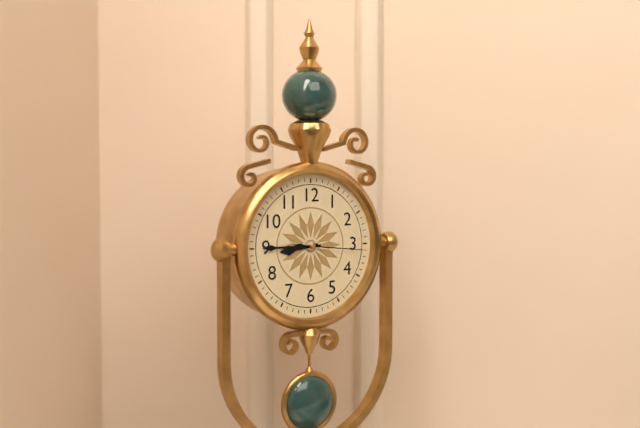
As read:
8 h 45 min 16 s
